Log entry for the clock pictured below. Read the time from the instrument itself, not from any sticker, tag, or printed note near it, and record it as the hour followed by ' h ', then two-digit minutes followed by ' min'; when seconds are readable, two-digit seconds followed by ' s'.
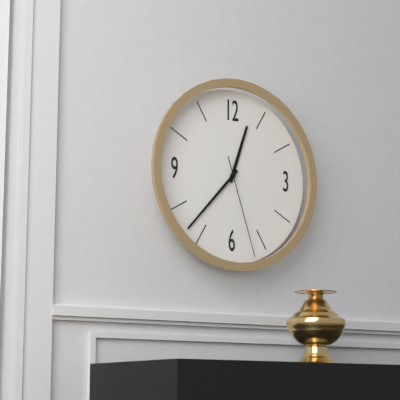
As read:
12 h 37 min 27 s
